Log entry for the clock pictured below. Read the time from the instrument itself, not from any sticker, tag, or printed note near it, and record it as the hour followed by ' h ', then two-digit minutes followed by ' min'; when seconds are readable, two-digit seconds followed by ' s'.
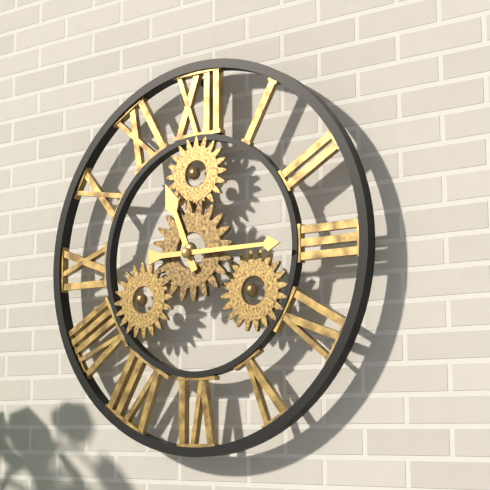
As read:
11 h 15 min
